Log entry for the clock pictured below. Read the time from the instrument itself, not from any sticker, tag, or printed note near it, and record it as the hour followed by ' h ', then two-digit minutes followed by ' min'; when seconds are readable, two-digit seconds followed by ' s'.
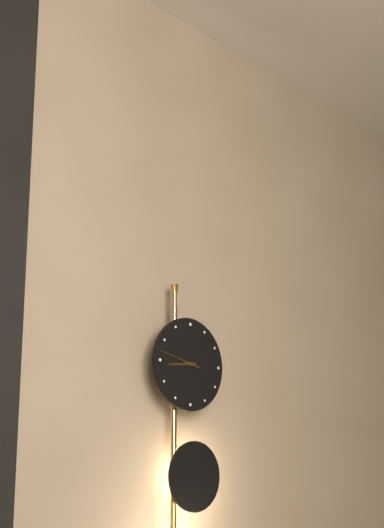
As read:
8 h 47 min
